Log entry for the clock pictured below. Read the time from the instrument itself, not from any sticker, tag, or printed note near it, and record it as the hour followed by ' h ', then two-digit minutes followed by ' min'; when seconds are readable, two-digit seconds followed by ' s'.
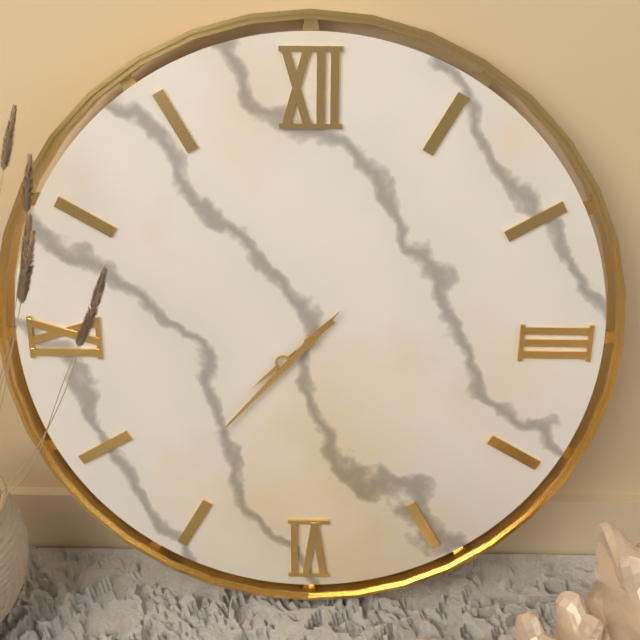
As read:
7 h 37 min
